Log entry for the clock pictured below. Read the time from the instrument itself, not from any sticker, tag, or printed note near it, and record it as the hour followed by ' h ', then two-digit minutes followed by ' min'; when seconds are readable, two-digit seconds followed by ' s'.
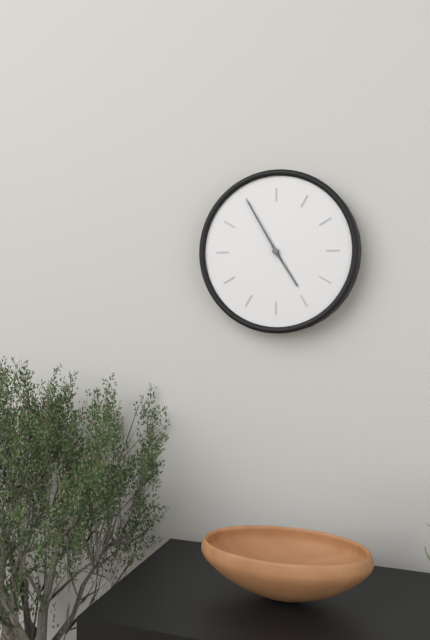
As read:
4 h 55 min 55 s
